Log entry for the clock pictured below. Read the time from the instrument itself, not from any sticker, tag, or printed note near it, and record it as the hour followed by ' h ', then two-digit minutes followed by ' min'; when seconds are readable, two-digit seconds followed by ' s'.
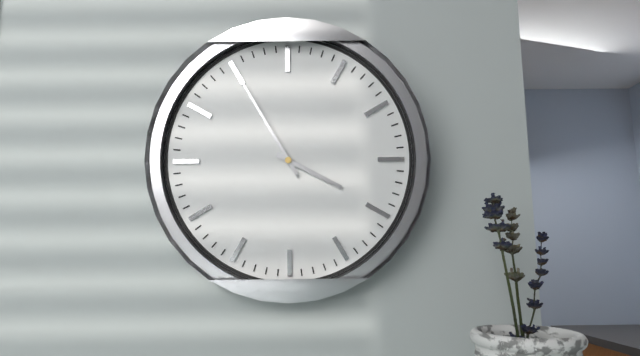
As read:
3 h 55 min
